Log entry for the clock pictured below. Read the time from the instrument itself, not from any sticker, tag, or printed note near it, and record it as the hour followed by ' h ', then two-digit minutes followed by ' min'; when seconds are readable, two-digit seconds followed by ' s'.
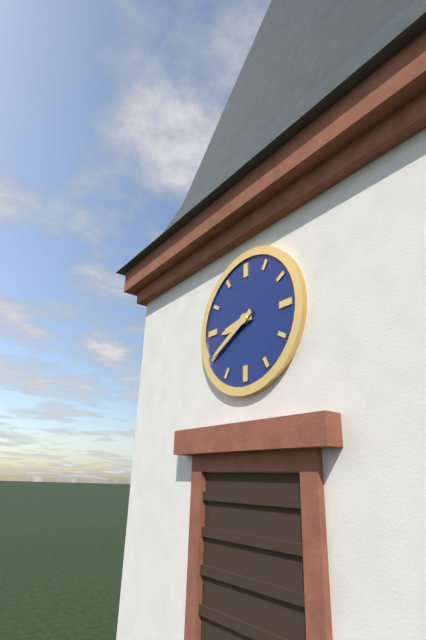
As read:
8 h 40 min
